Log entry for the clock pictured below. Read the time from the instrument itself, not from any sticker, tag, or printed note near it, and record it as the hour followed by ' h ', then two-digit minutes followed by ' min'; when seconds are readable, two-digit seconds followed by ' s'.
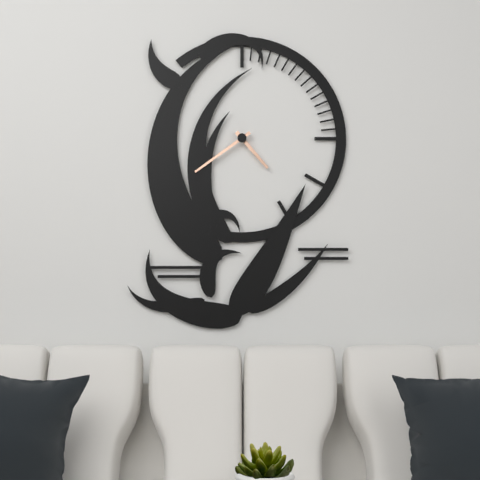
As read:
4 h 39 min
